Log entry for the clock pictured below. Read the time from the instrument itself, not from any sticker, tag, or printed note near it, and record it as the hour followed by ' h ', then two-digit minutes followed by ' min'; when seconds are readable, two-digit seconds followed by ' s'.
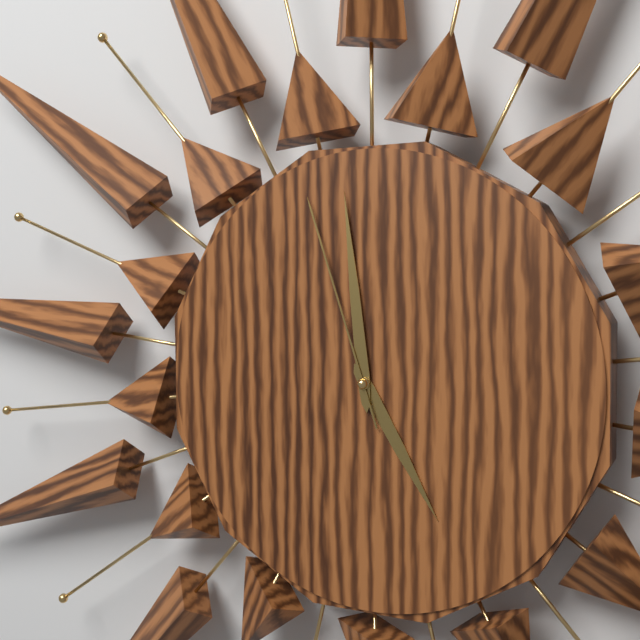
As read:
4 h 59 min 57 s
